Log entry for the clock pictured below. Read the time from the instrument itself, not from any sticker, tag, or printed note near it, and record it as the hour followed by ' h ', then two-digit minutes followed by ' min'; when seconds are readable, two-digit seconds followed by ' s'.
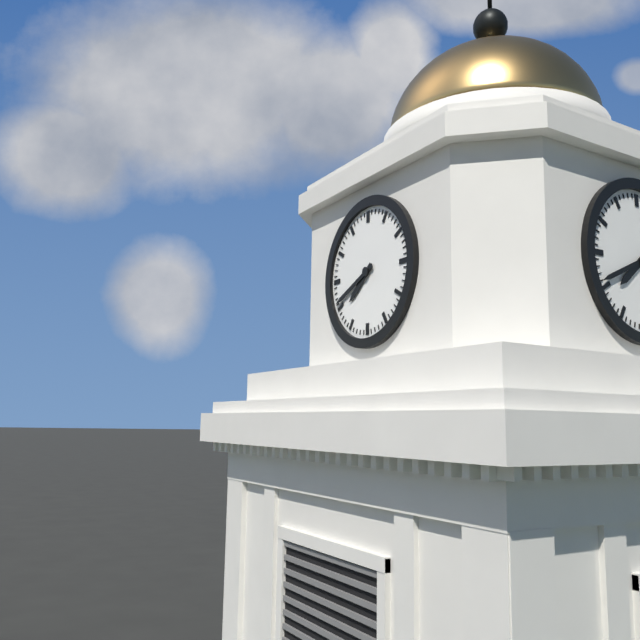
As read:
7 h 41 min
